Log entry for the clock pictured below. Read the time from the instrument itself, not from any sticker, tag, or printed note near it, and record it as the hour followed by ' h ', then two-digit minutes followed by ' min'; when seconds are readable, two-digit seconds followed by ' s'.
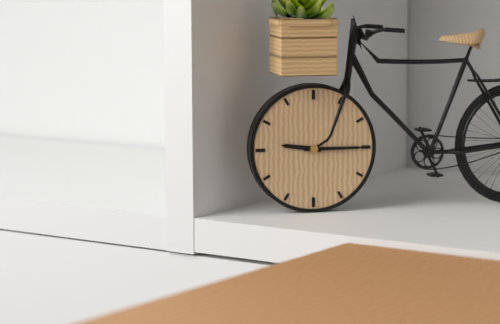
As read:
9 h 15 min
